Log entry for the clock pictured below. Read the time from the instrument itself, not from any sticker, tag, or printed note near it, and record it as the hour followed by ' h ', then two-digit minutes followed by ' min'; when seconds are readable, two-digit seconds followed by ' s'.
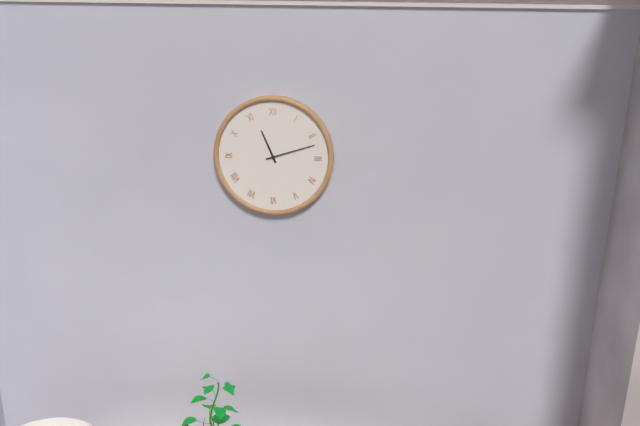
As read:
11 h 12 min
